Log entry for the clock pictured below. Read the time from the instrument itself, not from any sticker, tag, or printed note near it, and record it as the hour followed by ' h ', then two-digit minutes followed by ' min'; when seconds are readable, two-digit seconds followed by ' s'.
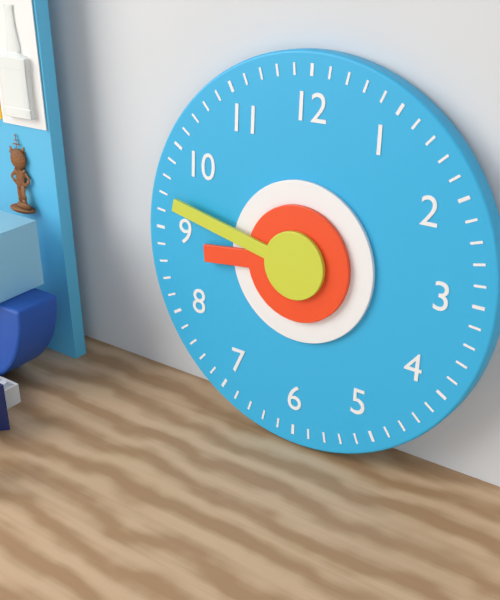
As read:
8 h 47 min
